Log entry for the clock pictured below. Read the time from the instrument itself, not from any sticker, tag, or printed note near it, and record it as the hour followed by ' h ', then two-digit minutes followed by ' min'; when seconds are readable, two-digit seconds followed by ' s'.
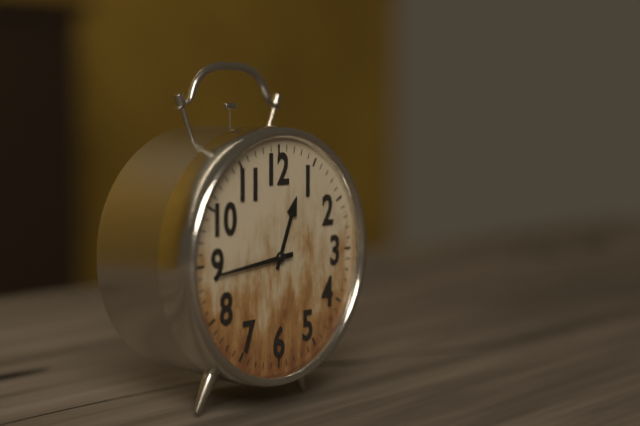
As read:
12 h 44 min
